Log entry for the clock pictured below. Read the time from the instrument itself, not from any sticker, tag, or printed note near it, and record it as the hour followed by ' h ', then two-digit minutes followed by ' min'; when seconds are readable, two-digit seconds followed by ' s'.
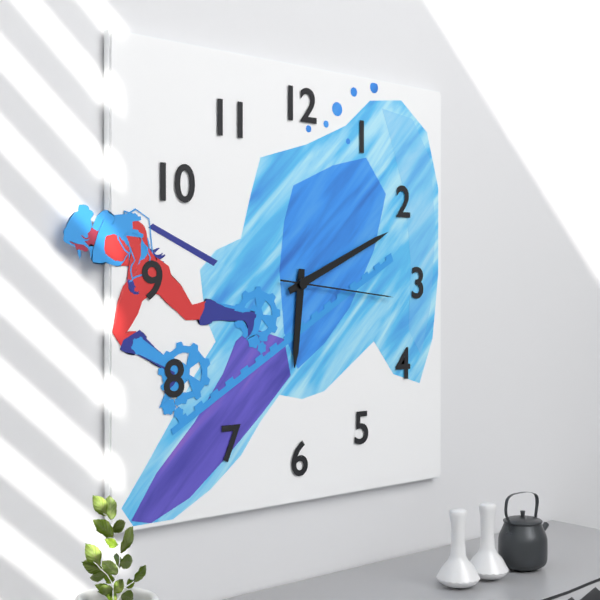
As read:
6 h 11 min 16 s
